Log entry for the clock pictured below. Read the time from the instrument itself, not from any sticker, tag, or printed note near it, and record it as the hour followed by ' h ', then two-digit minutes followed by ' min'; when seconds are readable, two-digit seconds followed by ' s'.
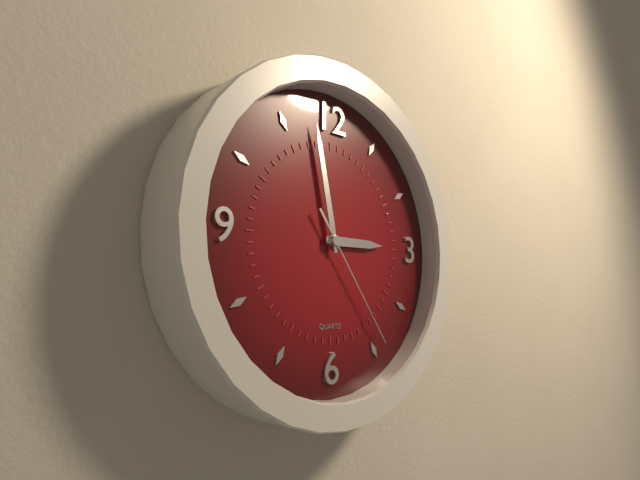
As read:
2 h 58 min 24 s
